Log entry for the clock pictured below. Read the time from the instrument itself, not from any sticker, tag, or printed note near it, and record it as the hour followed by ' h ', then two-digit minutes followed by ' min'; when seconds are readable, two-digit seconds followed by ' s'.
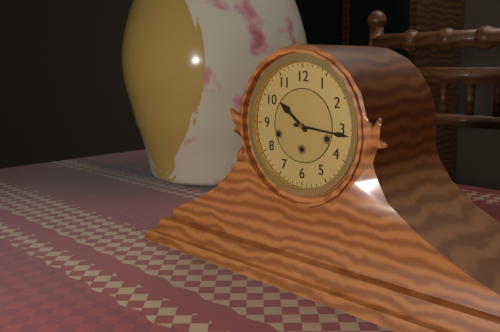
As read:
10 h 16 min
